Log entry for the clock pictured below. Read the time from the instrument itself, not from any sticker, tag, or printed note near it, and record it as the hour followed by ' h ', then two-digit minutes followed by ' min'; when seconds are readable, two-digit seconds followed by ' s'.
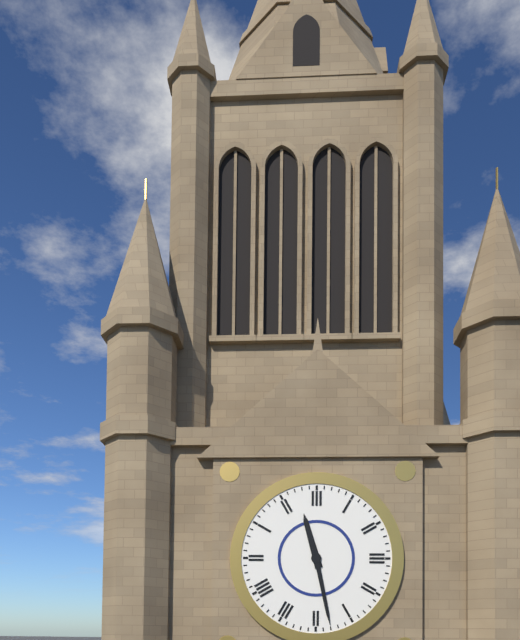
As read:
11 h 28 min
